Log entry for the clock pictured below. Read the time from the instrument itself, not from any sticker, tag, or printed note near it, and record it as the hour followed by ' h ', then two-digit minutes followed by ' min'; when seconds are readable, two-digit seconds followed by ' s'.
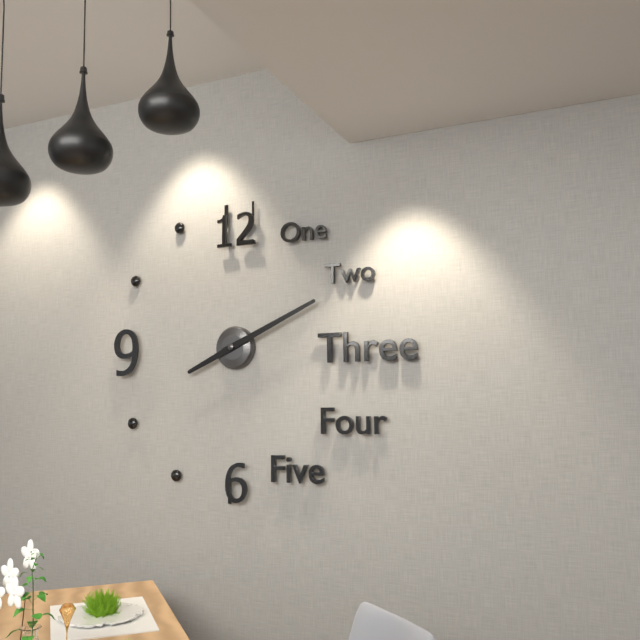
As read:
8 h 11 min
